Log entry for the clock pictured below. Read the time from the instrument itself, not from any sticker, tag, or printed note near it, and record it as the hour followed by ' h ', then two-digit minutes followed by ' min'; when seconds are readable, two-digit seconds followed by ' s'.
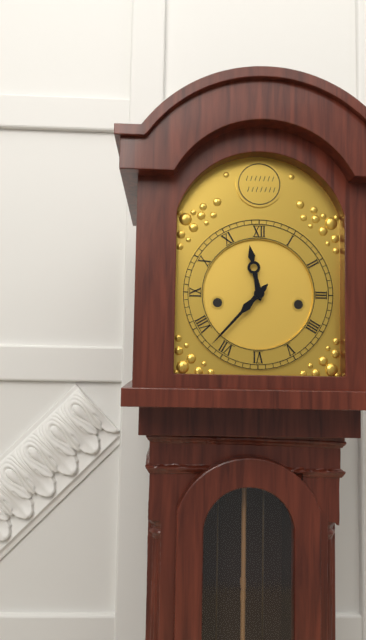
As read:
11 h 37 min
